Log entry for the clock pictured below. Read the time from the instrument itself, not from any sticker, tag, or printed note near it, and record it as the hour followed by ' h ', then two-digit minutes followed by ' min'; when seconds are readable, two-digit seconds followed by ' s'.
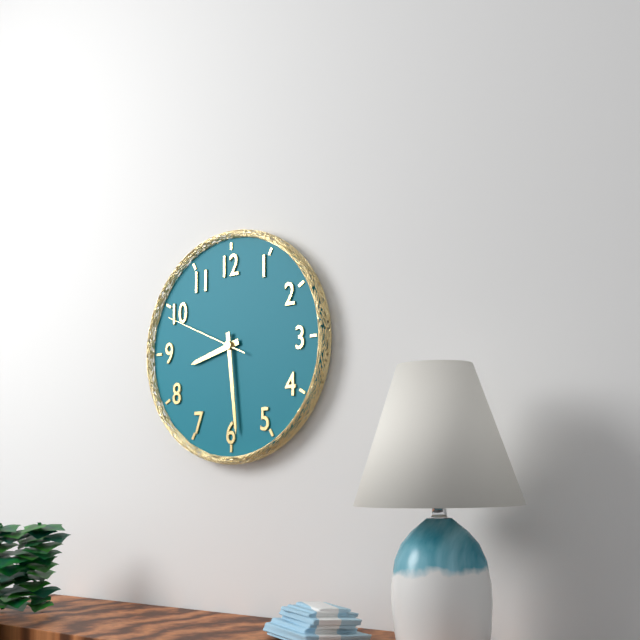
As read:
8 h 29 min 49 s
